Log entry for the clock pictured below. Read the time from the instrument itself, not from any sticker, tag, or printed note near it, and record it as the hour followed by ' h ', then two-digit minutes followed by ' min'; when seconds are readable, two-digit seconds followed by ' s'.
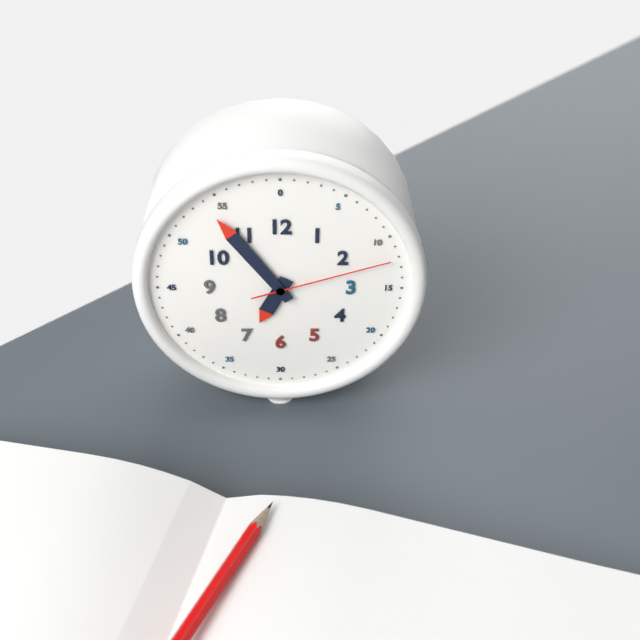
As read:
6 h 54 min 12 s
